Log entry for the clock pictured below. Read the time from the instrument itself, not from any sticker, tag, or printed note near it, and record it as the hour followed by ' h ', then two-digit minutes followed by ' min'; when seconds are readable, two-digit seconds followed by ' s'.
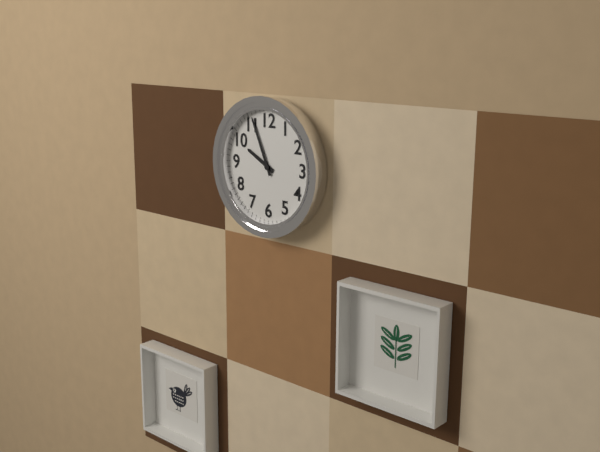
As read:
9 h 56 min
